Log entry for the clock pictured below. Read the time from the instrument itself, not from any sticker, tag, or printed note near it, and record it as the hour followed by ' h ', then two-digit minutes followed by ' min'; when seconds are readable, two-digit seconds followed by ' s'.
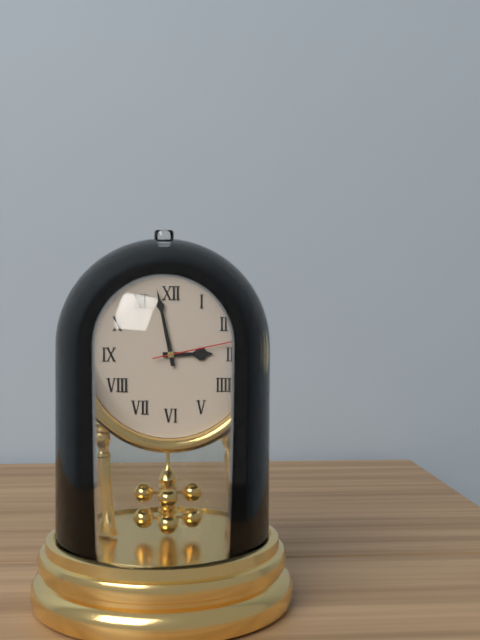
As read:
2 h 58 min 13 s
